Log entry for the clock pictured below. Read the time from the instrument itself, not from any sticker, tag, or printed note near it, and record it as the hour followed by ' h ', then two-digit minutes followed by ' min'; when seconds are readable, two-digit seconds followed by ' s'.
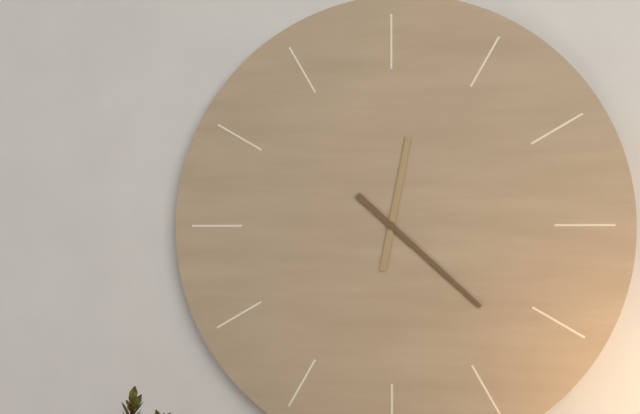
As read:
12 h 22 min
